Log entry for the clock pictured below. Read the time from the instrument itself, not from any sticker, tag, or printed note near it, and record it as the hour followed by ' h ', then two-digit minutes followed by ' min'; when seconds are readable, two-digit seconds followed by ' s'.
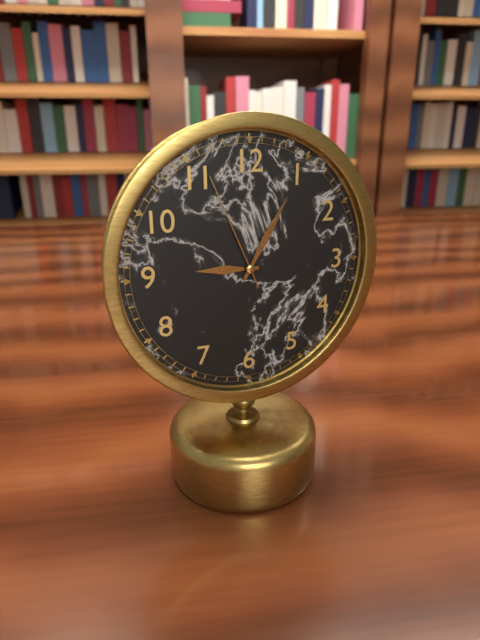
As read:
9 h 05 min 56 s
